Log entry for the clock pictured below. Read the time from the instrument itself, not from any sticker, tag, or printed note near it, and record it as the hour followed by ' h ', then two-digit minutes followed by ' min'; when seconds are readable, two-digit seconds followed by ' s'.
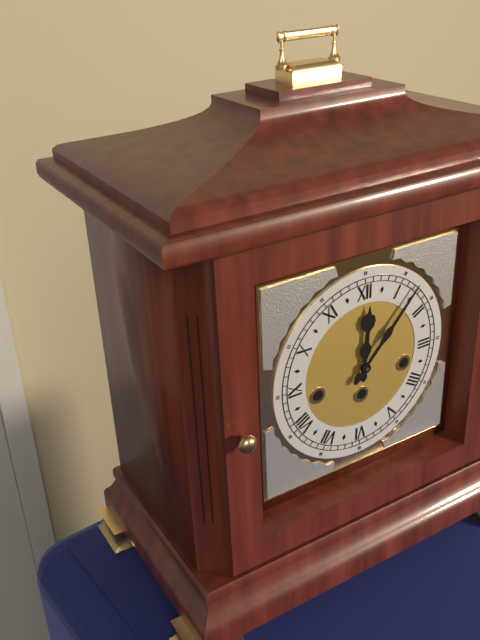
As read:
12 h 07 min
